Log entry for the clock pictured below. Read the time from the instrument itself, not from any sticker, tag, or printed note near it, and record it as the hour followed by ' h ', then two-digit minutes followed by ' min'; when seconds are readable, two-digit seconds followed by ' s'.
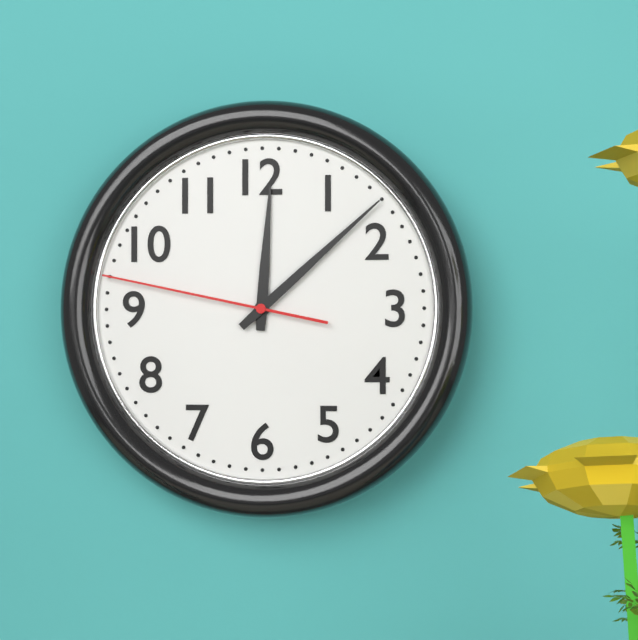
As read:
12 h 08 min 47 s
